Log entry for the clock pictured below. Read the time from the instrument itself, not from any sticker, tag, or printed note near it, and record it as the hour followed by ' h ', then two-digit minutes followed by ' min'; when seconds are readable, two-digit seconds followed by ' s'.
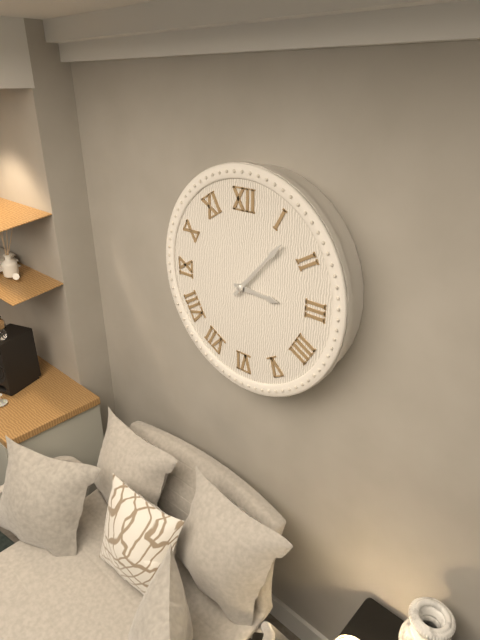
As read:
3 h 07 min
